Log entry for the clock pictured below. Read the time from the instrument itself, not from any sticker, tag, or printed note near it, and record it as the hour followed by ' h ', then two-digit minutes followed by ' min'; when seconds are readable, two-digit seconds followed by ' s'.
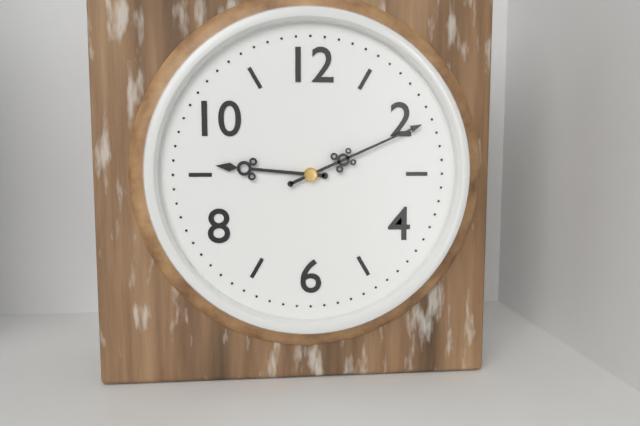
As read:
9 h 11 min
